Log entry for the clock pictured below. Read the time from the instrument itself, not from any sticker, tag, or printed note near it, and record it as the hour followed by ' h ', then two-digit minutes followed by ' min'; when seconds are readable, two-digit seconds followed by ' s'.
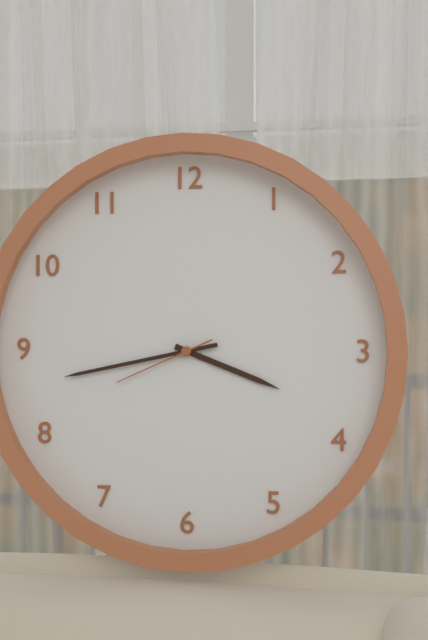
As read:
3 h 43 min 41 s
